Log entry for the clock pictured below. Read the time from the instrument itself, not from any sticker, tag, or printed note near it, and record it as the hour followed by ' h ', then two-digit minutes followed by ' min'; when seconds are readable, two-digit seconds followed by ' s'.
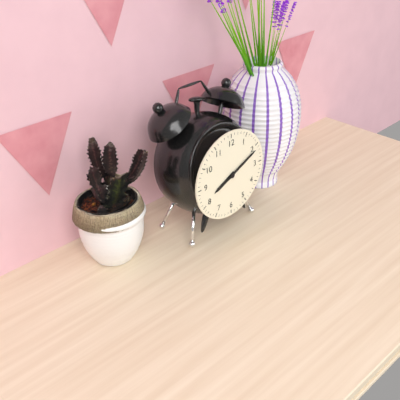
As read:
8 h 11 min
